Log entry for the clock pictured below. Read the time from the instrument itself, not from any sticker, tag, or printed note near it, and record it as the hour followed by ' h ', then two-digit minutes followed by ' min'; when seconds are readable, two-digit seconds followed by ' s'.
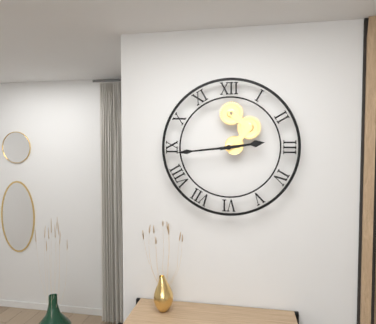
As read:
2 h 44 min
